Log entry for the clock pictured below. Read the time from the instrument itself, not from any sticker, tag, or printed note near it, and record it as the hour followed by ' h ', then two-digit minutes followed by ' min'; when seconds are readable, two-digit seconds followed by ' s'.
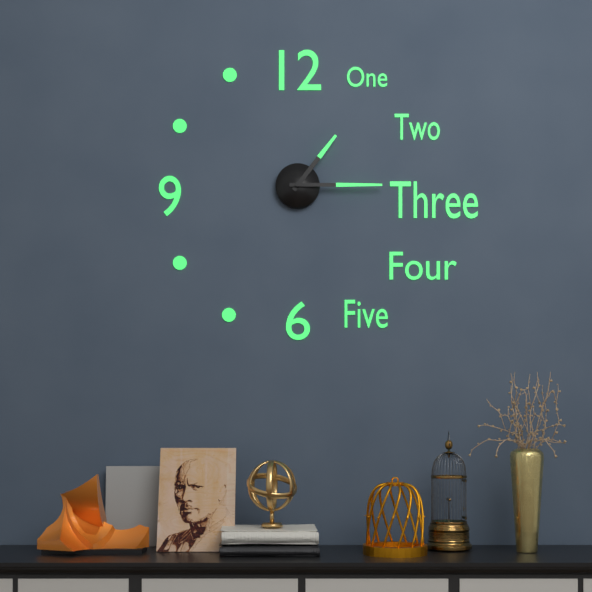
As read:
1 h 15 min
